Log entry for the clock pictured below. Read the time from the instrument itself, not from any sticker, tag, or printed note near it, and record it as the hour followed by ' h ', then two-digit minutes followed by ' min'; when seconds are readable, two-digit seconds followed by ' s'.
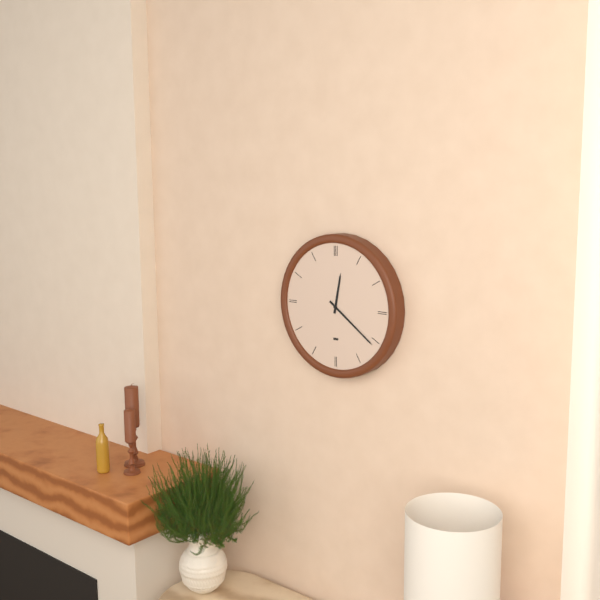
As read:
12 h 21 min
